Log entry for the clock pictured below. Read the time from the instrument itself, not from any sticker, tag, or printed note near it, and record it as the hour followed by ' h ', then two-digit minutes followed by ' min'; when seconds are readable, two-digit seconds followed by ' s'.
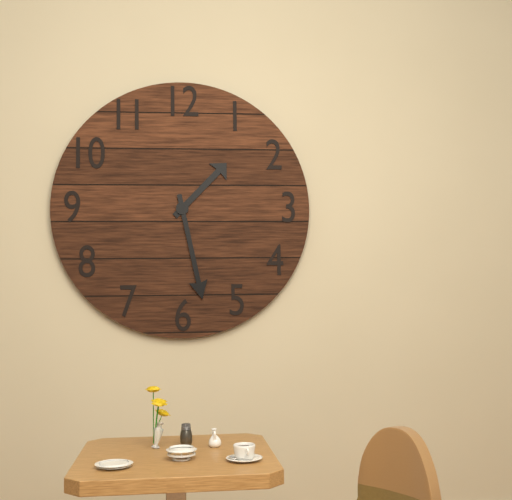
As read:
1 h 28 min
